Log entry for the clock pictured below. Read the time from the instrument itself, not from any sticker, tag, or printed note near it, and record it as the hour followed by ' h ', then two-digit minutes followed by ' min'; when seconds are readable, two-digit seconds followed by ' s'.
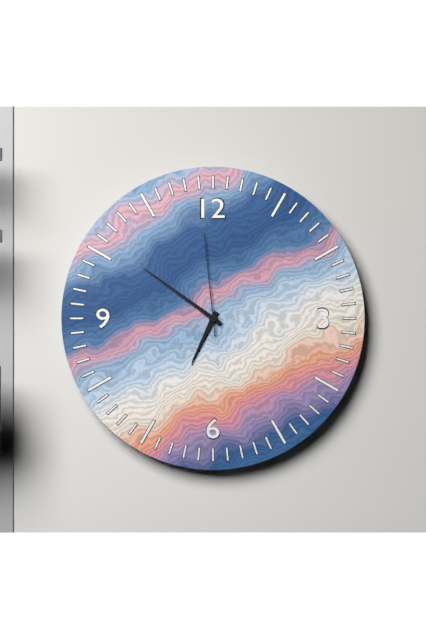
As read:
6 h 51 min 59 s
